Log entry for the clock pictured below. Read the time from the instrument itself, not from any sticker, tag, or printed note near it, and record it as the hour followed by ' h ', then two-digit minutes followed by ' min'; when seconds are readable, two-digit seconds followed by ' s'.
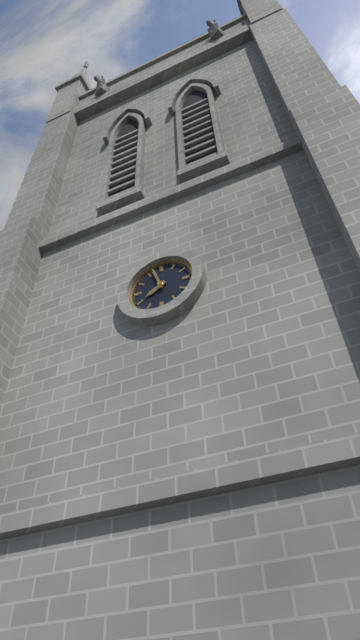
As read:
7 h 57 min
